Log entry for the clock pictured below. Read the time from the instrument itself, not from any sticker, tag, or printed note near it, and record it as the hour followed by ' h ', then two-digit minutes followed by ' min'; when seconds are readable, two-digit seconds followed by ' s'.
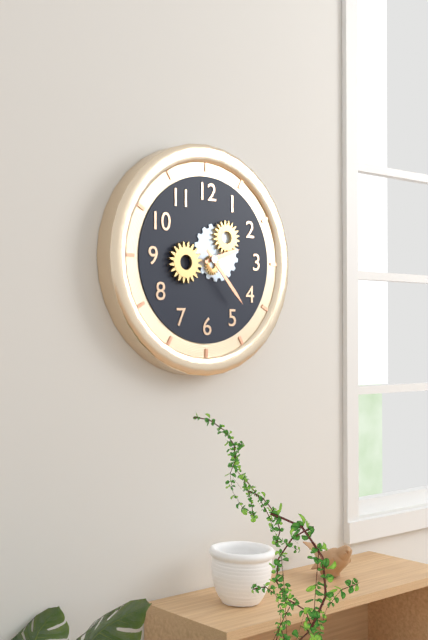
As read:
2 h 23 min
